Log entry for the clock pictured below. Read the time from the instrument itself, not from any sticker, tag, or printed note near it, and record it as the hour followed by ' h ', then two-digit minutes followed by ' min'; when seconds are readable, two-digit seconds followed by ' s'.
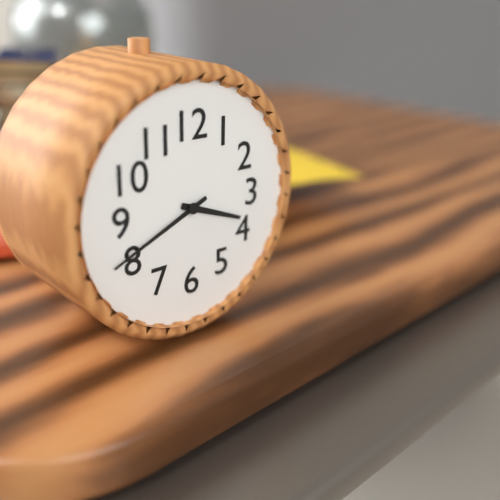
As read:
3 h 41 min
